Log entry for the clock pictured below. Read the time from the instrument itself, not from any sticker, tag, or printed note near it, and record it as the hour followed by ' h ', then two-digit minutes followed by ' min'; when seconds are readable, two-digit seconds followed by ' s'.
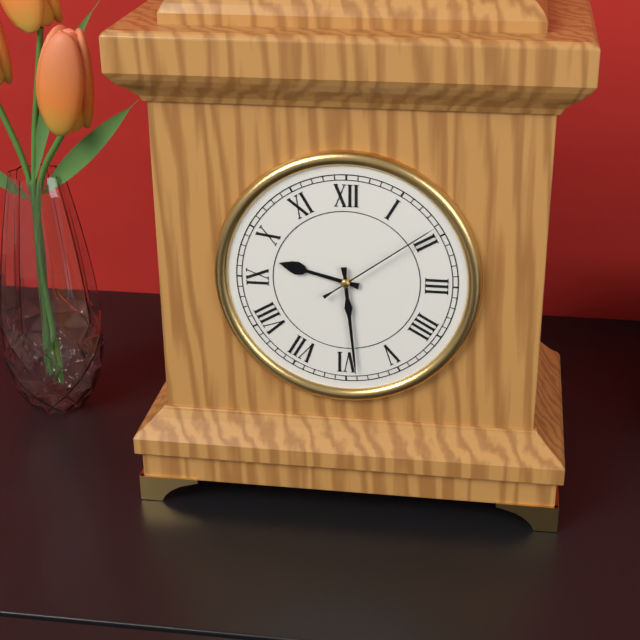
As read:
9 h 29 min 09 s
